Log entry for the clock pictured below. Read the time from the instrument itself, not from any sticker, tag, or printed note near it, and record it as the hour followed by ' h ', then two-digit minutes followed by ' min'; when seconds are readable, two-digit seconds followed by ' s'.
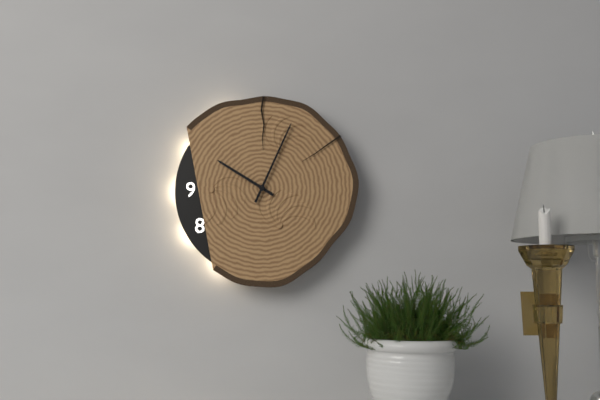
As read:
10 h 04 min
